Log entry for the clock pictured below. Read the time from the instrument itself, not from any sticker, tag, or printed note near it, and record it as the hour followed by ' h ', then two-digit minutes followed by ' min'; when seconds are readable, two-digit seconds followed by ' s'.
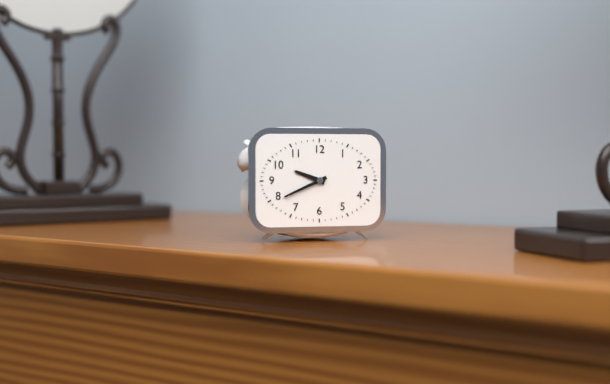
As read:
9 h 41 min
